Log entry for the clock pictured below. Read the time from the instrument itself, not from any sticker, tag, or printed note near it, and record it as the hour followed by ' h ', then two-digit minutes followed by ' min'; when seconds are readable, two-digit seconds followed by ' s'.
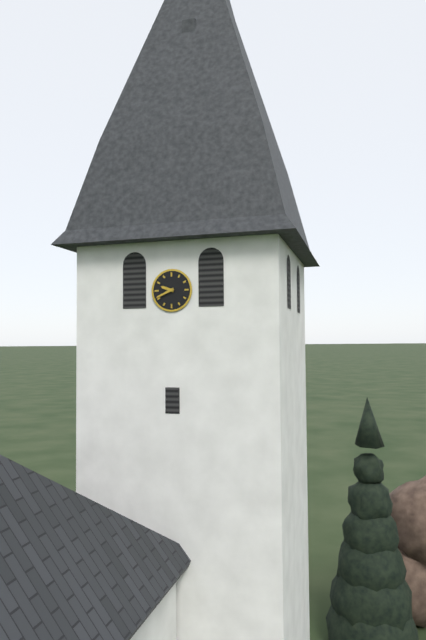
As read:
9 h 41 min
